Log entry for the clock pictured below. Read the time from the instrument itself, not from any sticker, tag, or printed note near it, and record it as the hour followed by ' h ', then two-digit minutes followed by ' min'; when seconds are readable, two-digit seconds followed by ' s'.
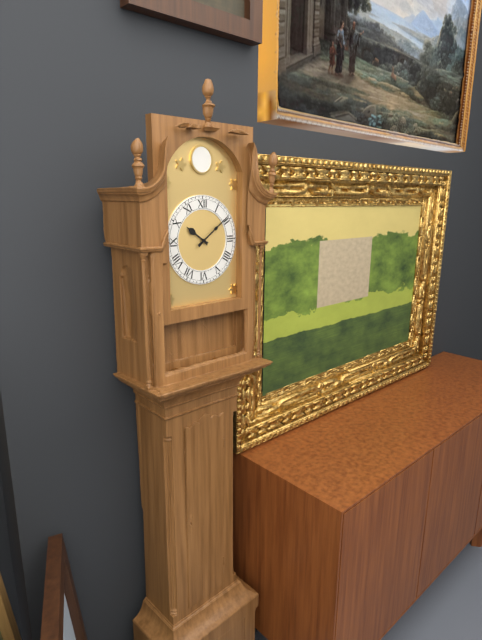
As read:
10 h 09 min
